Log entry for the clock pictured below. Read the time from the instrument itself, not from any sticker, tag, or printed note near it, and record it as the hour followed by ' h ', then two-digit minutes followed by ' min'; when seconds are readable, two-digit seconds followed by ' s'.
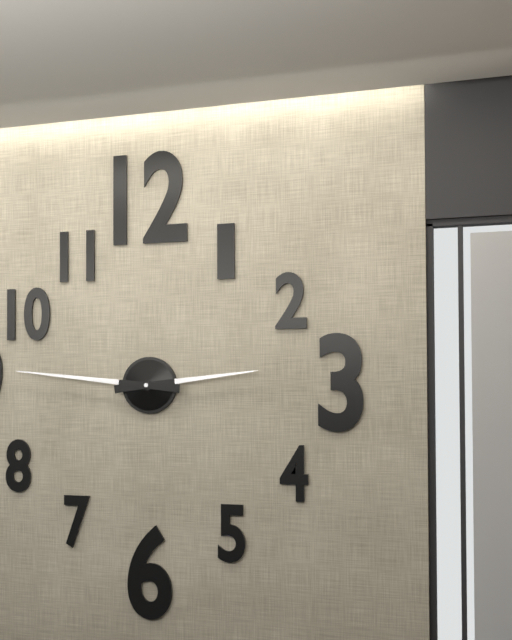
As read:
2 h 46 min
